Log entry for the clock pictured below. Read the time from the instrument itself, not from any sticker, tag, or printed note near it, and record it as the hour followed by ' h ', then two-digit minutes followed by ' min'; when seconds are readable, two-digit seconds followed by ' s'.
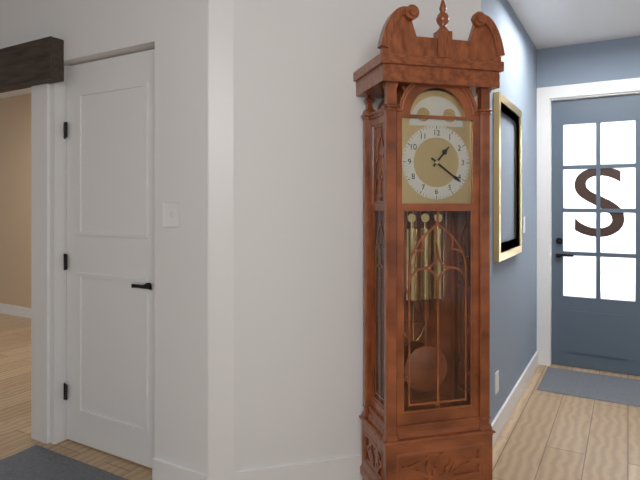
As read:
1 h 21 min
